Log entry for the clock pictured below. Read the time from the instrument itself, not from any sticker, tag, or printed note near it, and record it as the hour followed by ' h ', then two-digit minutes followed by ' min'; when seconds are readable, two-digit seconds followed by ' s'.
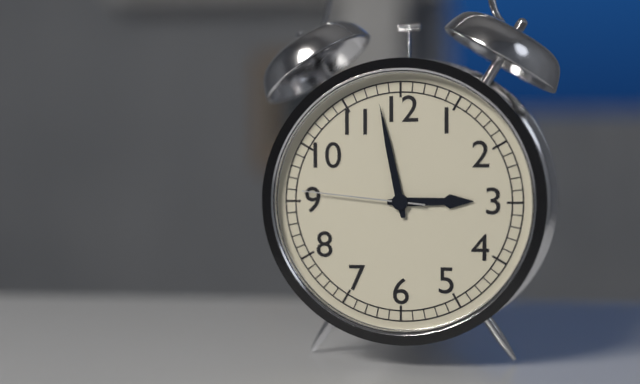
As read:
2 h 58 min 46 s
